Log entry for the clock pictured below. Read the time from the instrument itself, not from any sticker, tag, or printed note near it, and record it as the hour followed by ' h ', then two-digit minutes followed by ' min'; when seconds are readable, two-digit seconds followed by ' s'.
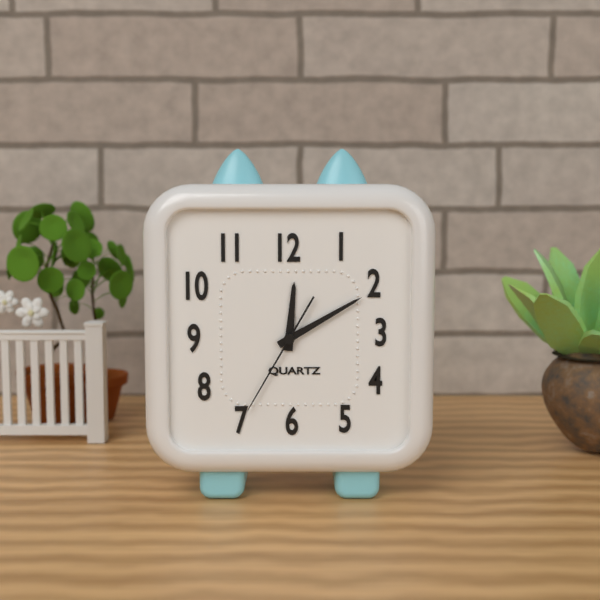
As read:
12 h 10 min 35 s
